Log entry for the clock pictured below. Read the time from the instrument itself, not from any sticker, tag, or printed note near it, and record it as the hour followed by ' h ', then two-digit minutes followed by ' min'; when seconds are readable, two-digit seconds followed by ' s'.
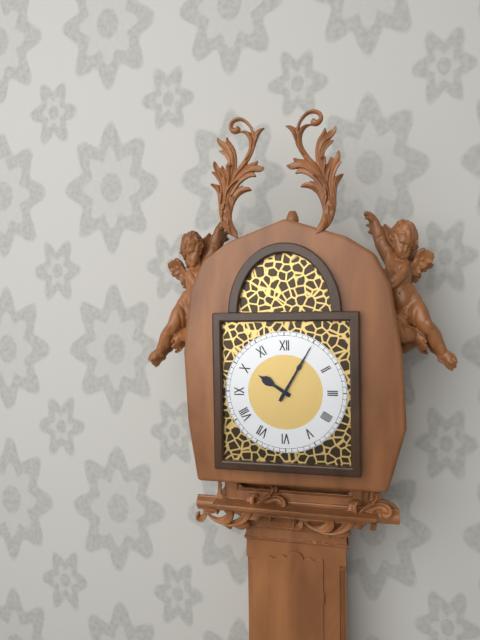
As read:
10 h 05 min
